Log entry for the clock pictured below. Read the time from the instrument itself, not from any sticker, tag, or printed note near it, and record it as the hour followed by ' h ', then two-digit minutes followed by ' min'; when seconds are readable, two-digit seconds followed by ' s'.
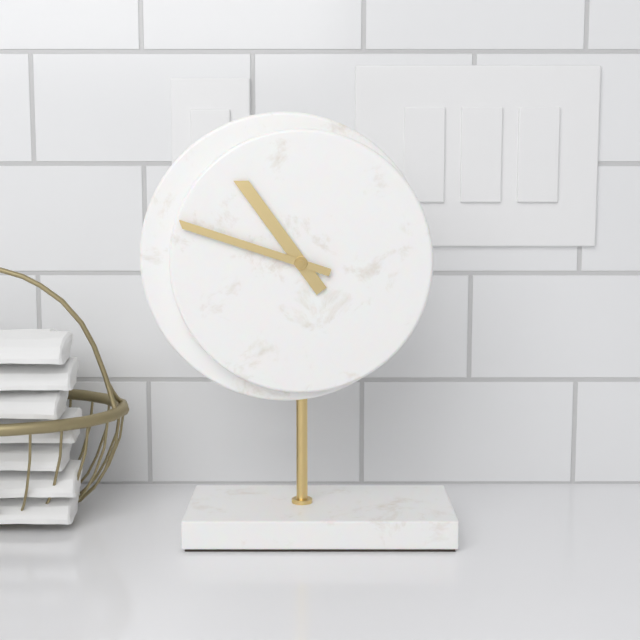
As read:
10 h 48 min
